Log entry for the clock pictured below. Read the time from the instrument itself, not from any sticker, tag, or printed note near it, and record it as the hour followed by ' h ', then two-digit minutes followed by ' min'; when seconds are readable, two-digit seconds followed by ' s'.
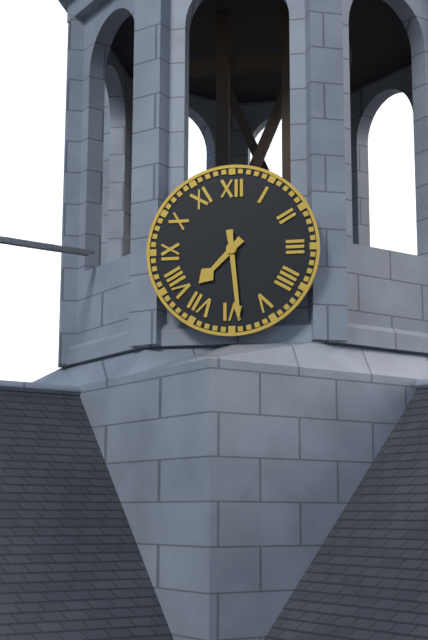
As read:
7 h 29 min
